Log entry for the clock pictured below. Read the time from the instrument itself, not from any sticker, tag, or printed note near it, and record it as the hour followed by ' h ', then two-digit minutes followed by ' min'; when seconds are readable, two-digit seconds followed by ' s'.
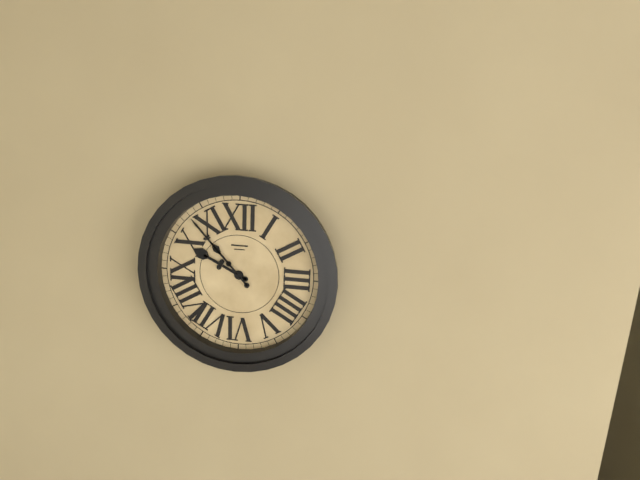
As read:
9 h 53 min
